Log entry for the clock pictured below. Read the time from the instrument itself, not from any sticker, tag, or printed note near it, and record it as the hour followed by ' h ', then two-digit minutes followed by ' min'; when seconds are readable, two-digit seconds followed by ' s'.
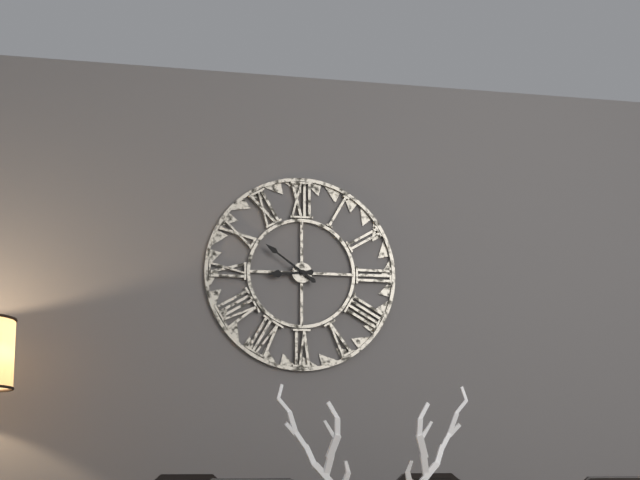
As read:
8 h 51 min
